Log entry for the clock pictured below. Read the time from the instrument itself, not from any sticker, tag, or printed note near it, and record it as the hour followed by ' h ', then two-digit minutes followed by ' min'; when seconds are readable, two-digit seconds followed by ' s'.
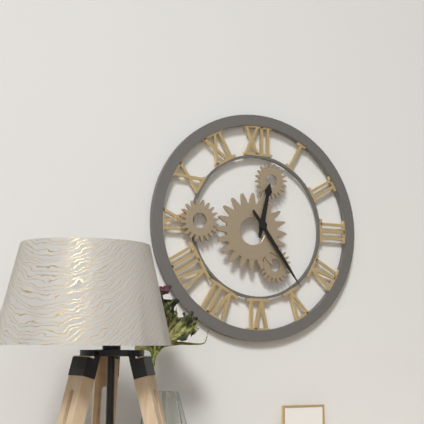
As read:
12 h 24 min
